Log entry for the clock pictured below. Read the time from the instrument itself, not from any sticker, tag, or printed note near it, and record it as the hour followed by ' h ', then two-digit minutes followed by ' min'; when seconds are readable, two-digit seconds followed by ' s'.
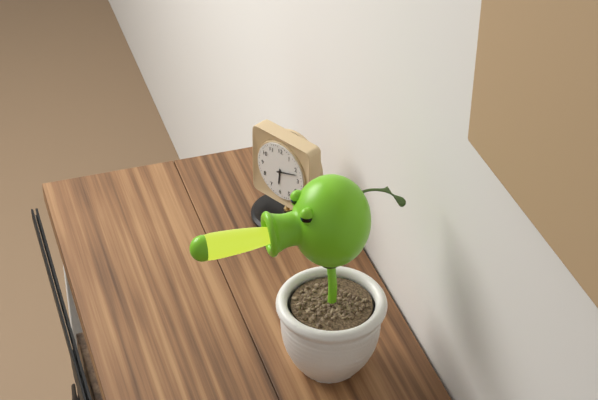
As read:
6 h 12 min
